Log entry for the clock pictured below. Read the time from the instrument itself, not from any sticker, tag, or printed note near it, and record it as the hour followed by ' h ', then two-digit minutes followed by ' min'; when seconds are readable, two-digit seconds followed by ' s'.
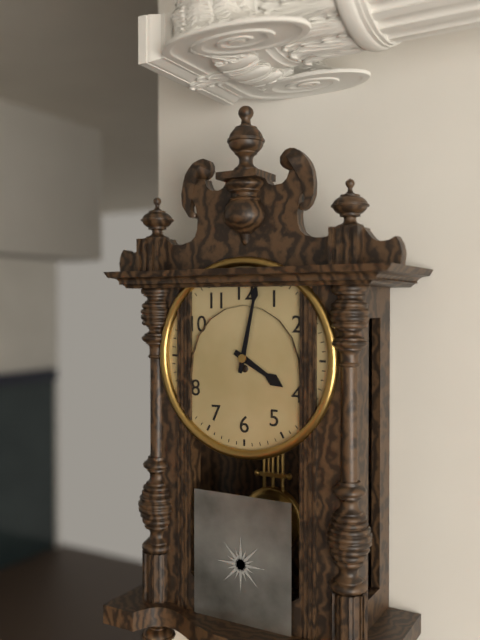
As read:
4 h 02 min
